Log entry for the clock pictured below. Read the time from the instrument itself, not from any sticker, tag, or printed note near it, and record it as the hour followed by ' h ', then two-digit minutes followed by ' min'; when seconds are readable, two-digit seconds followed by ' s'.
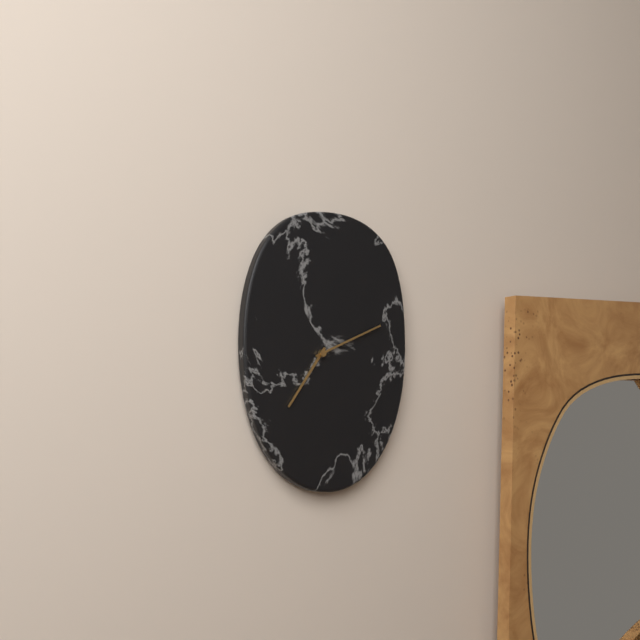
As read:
7 h 11 min
